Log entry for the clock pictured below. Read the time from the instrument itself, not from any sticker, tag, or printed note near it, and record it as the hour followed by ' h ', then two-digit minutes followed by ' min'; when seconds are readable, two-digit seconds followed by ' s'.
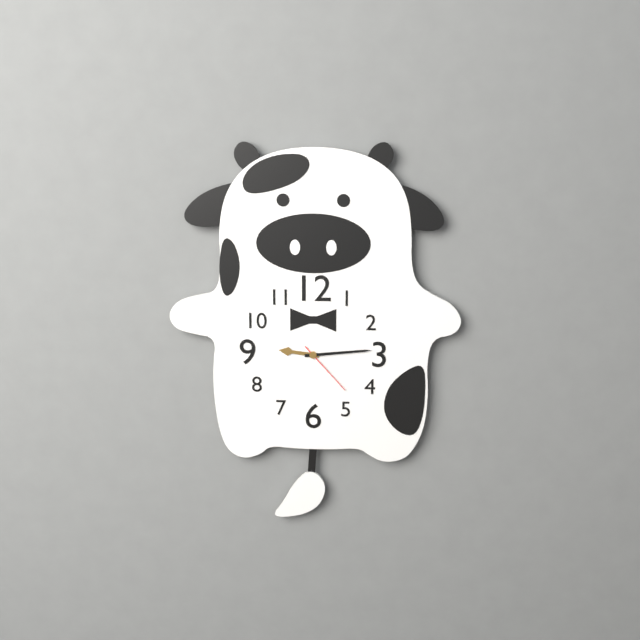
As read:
9 h 14 min 23 s
